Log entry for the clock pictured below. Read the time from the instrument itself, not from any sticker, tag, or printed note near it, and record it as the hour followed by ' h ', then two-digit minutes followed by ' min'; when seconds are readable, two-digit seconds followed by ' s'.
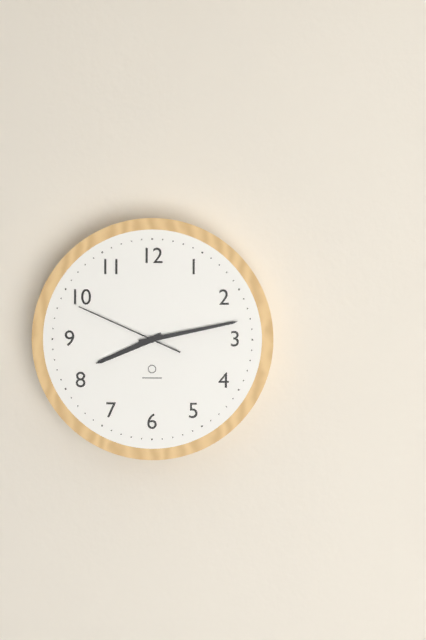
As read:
8 h 13 min 49 s
